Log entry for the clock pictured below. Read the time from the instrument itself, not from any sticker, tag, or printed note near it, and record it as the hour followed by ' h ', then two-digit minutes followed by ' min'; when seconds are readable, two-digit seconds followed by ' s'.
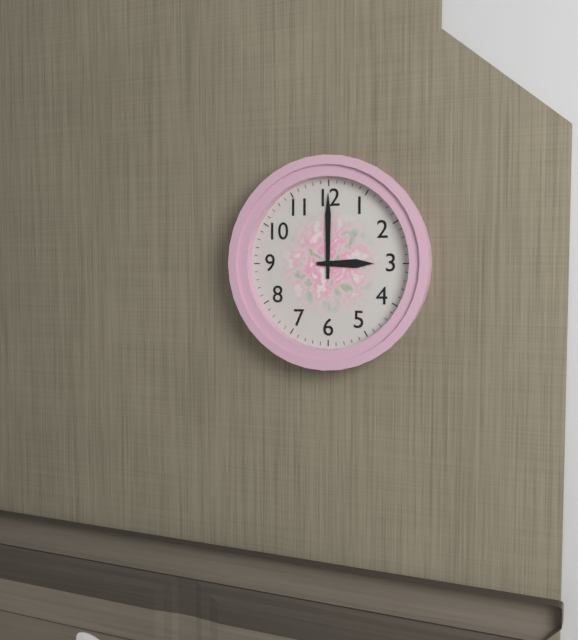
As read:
3 h 00 min
